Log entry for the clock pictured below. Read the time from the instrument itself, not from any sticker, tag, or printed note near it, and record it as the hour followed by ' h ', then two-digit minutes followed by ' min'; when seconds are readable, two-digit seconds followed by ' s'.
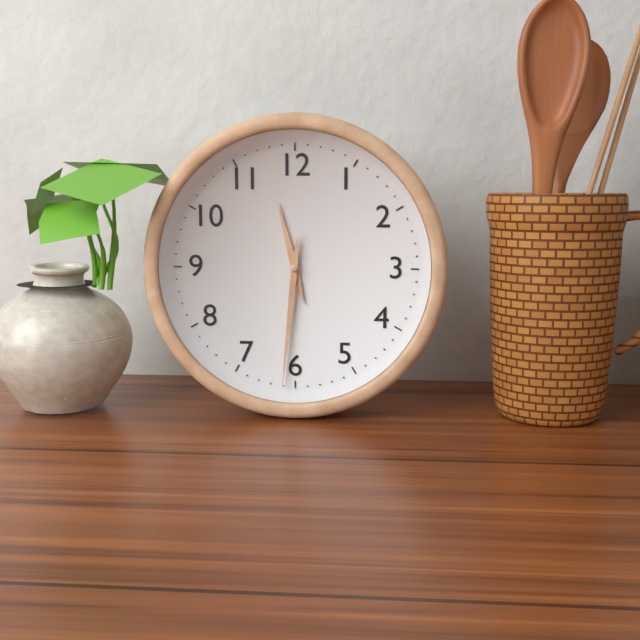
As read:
11 h 31 min
